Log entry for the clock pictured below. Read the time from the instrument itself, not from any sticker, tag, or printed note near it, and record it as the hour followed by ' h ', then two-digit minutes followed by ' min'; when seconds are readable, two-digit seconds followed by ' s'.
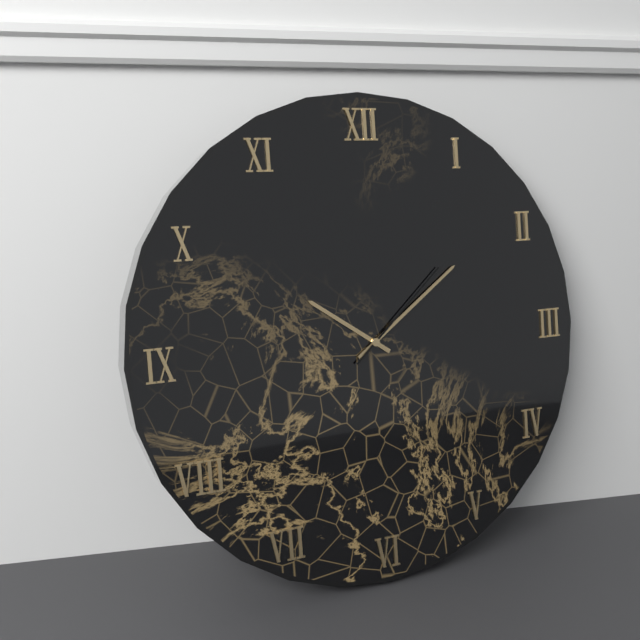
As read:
10 h 09 min 08 s
